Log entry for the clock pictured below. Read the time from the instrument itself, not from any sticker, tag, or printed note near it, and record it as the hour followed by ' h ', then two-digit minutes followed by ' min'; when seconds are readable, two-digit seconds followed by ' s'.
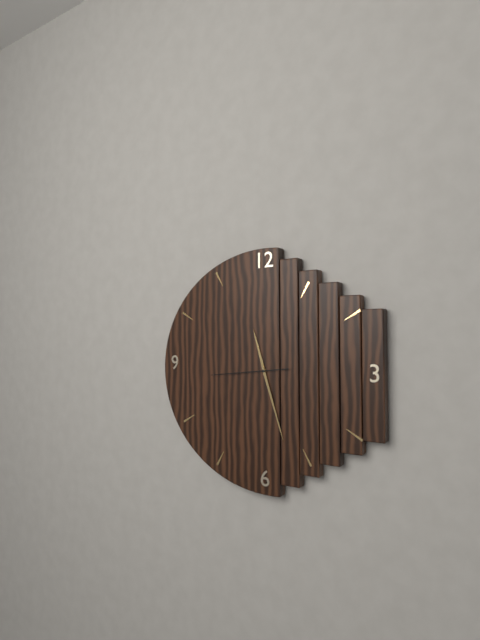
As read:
11 h 27 min 44 s
